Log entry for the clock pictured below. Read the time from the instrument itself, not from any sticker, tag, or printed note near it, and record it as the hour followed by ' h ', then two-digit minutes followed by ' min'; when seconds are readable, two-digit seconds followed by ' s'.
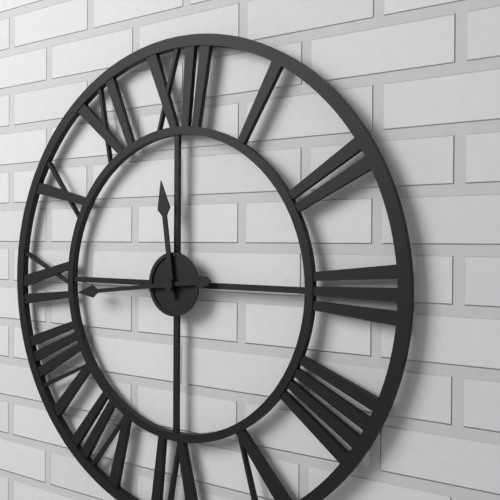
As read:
11 h 44 min
